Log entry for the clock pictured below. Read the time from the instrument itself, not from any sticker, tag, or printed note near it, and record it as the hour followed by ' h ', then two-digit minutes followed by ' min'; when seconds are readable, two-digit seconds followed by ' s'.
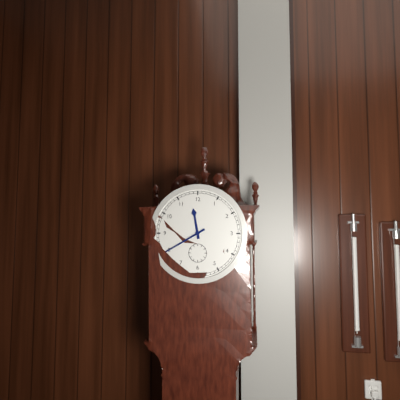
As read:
11 h 40 min
